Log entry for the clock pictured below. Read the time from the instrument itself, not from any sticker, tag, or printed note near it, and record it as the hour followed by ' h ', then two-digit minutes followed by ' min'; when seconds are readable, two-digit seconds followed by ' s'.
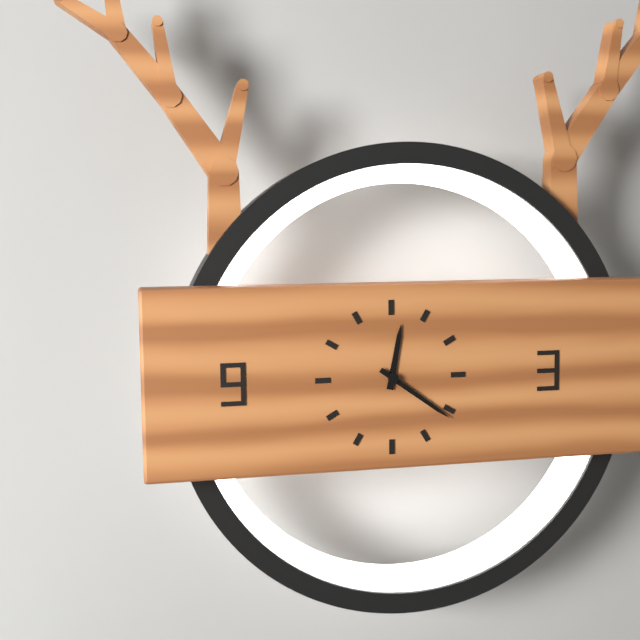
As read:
12 h 21 min
